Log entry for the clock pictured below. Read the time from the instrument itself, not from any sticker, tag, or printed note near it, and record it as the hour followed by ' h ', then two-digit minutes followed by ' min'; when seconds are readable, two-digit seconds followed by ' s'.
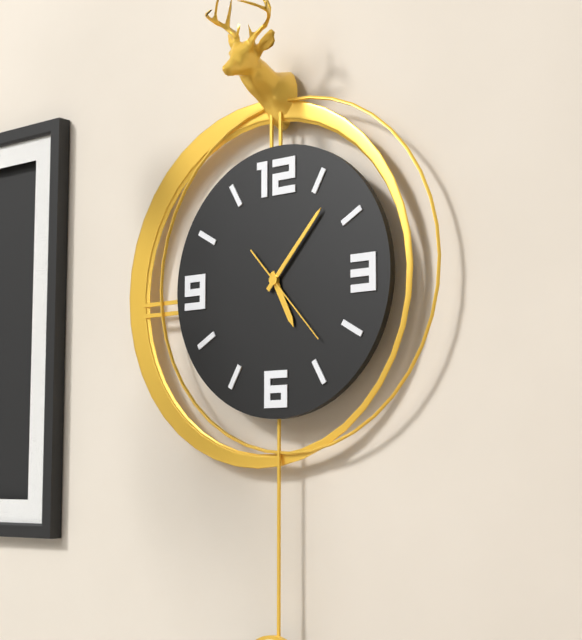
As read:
5 h 07 min 23 s
